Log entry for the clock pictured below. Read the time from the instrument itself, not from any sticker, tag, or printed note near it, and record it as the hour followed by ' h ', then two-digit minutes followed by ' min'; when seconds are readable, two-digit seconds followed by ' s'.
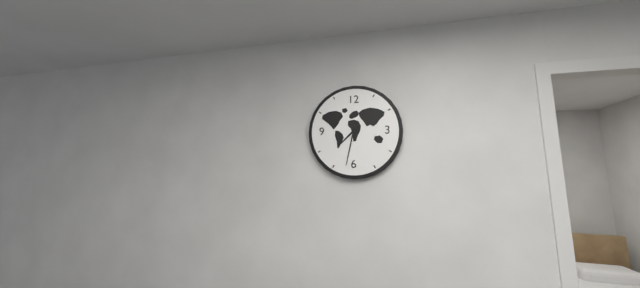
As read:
7 h 32 min
